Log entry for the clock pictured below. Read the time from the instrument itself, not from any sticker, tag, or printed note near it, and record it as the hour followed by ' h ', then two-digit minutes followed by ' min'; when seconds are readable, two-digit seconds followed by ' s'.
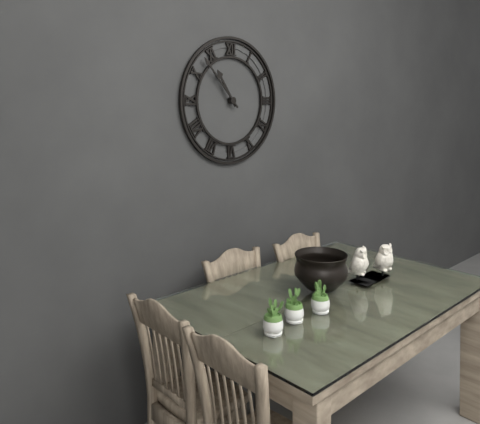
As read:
10 h 53 min
